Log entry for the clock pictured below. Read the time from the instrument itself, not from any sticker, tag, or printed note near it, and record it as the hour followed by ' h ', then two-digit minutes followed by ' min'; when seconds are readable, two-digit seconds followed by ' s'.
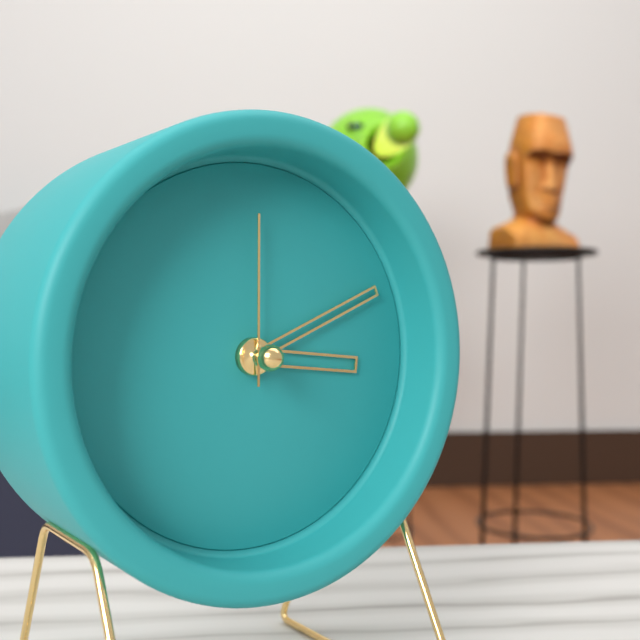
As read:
3 h 11 min 00 s
